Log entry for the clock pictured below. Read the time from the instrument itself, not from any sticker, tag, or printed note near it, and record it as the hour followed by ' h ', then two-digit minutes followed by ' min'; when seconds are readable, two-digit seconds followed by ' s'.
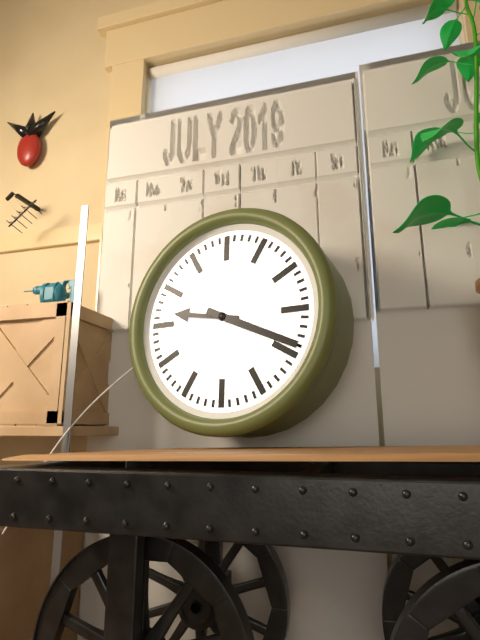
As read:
9 h 19 min
